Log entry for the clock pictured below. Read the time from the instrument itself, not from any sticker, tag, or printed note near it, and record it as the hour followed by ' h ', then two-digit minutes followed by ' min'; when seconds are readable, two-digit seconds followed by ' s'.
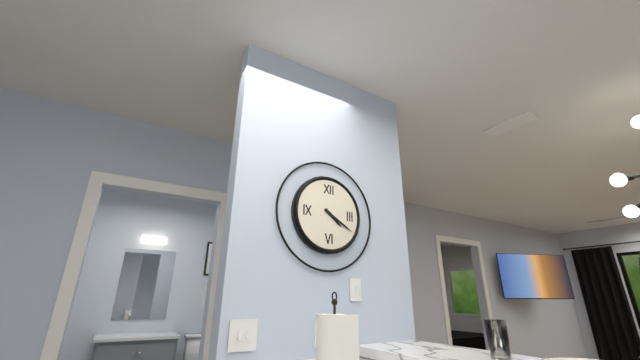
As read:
4 h 20 min
